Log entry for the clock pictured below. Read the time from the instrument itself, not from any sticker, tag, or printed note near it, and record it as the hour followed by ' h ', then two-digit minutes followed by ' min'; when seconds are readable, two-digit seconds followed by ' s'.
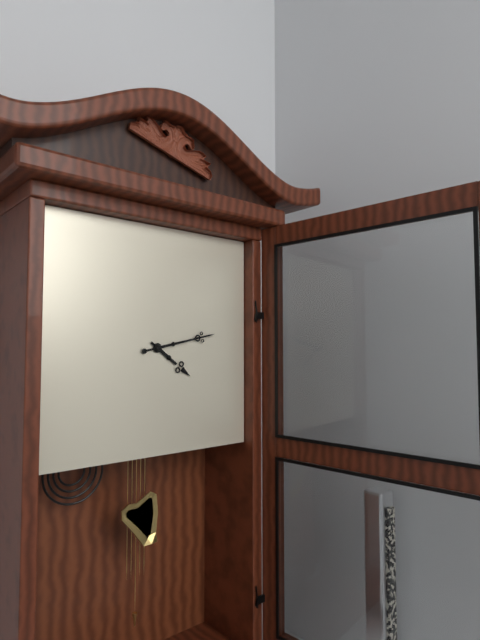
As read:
4 h 13 min
